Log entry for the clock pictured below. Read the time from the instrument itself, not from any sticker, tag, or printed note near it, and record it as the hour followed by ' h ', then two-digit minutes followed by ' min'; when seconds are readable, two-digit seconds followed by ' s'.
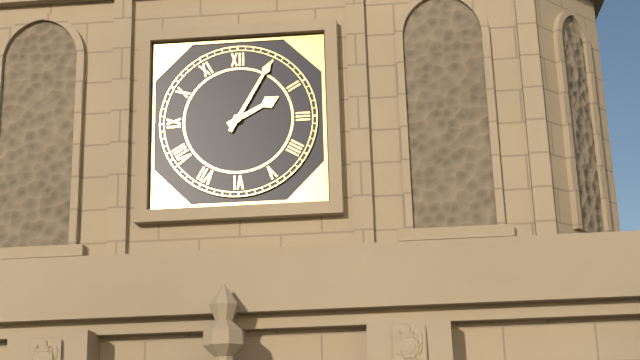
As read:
2 h 05 min
